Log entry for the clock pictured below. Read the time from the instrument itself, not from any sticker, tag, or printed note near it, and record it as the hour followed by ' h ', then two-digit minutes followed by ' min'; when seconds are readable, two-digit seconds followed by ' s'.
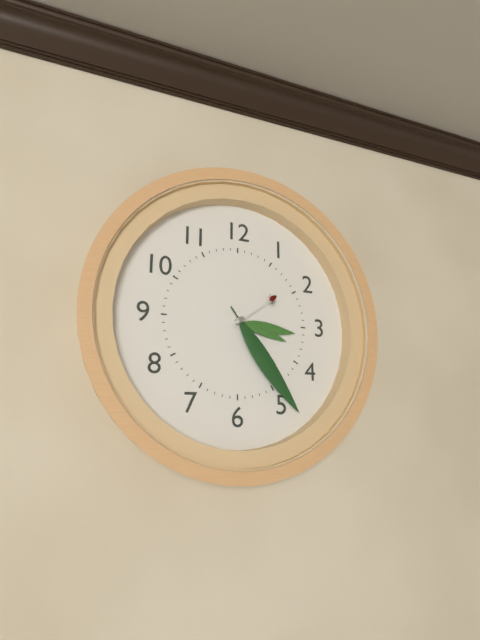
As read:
3 h 24 min 09 s
